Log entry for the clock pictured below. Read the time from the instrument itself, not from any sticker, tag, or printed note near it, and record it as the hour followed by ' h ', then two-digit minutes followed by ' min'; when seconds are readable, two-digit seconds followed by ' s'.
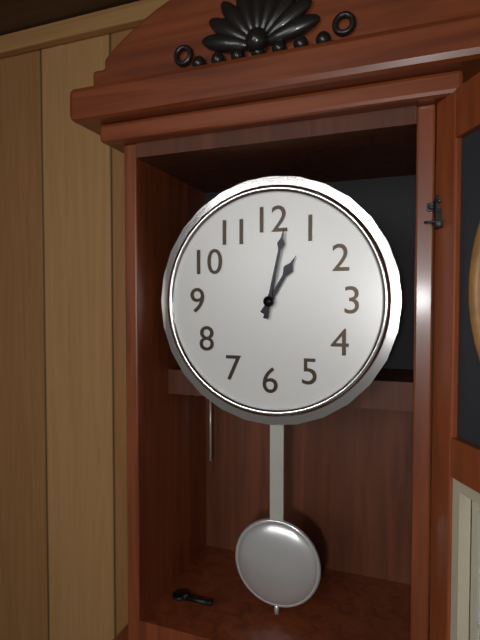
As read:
1 h 02 min
